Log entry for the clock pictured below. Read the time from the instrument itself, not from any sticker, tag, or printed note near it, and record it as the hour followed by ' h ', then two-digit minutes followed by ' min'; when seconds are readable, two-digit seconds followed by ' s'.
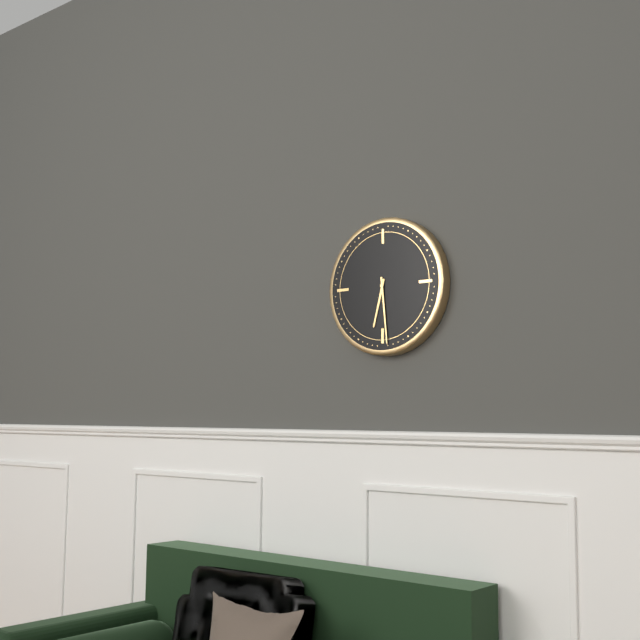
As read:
6 h 29 min
